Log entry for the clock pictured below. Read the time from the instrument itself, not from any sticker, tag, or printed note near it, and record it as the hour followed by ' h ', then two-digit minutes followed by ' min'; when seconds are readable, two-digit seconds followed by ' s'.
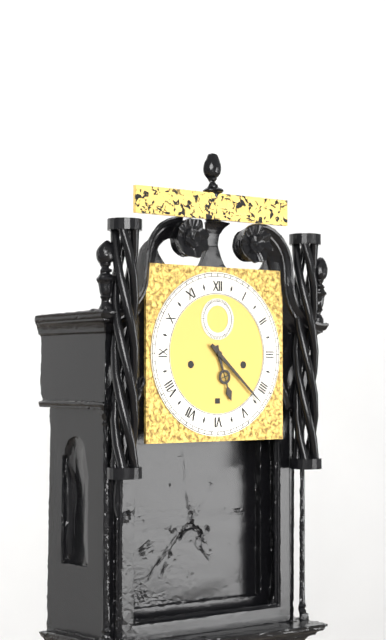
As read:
5 h 22 min
